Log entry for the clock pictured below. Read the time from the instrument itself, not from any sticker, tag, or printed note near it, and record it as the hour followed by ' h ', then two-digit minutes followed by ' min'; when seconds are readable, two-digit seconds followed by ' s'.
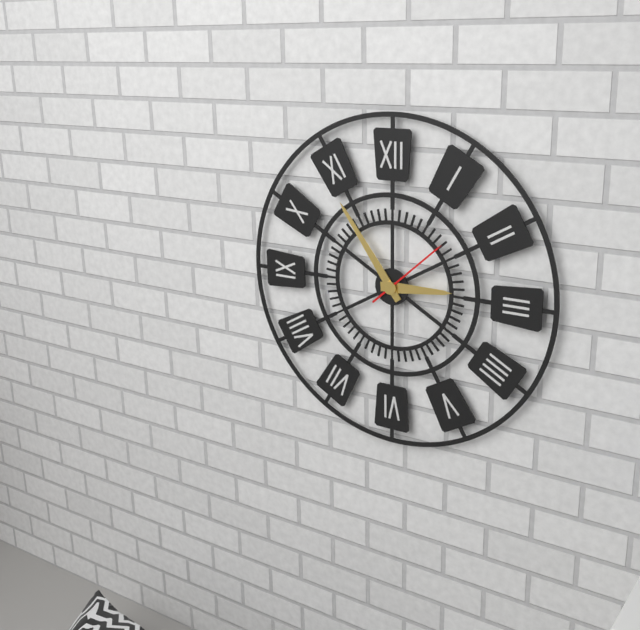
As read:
2 h 54 min 08 s
